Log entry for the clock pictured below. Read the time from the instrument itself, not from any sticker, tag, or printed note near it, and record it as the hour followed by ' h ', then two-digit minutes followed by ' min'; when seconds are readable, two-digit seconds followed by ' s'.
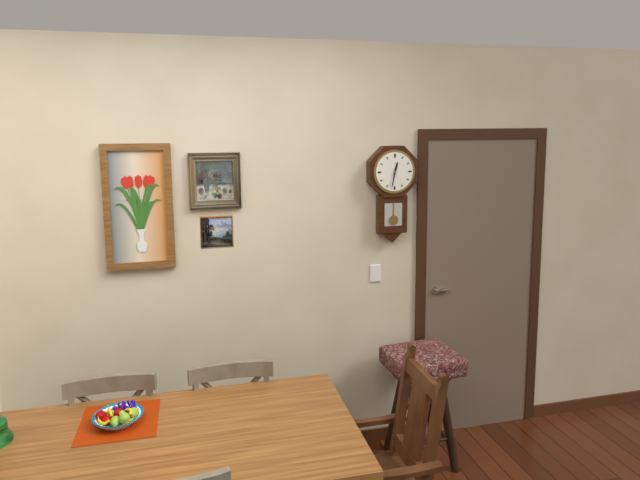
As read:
12 h 32 min
